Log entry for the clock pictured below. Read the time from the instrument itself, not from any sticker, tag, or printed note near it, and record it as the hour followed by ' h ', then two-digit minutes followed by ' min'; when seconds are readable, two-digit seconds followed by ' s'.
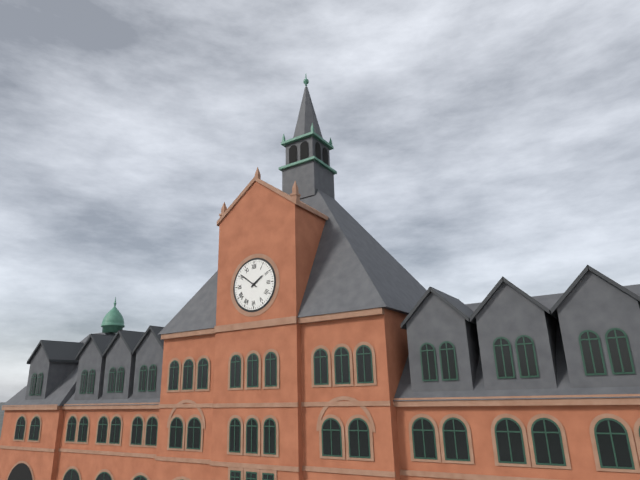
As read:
1 h 51 min
